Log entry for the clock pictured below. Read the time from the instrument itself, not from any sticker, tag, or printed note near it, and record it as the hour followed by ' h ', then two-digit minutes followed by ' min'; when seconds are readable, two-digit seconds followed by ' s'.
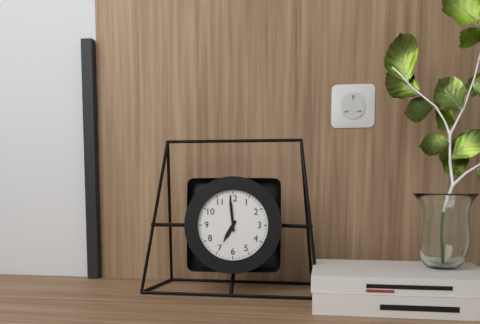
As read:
6 h 59 min
